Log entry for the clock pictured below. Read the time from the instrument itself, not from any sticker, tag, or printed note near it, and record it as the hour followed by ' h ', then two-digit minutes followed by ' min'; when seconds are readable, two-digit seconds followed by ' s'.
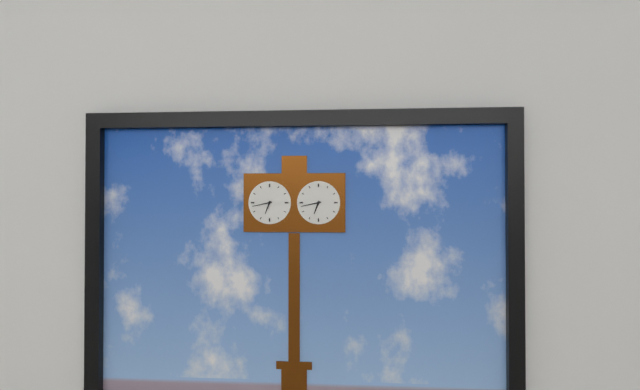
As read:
6 h 43 min
